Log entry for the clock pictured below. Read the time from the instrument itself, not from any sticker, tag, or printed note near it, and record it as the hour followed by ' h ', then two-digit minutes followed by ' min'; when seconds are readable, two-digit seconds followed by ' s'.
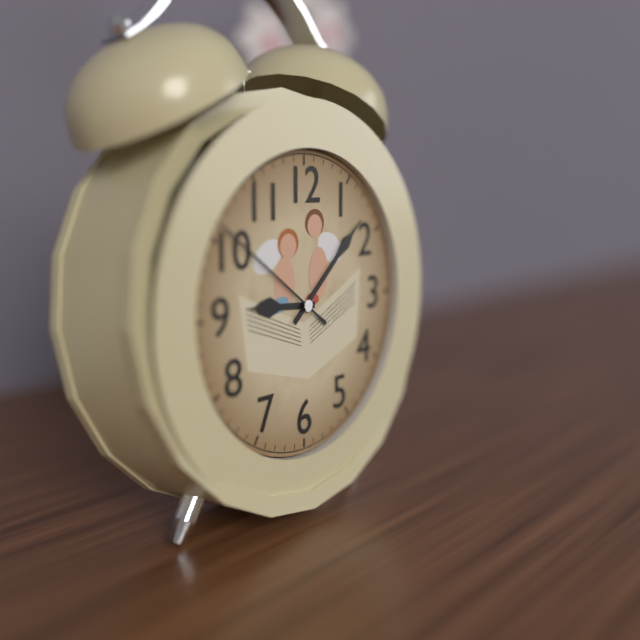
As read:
9 h 08 min 51 s
